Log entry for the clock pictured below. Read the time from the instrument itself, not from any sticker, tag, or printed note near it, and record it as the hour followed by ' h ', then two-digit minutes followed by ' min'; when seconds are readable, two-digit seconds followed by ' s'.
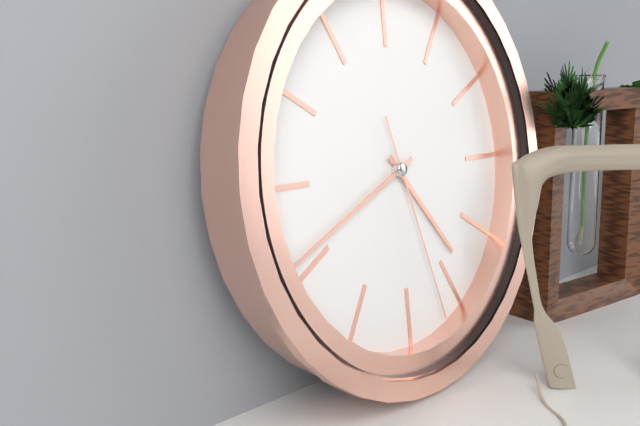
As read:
4 h 41 min 27 s
